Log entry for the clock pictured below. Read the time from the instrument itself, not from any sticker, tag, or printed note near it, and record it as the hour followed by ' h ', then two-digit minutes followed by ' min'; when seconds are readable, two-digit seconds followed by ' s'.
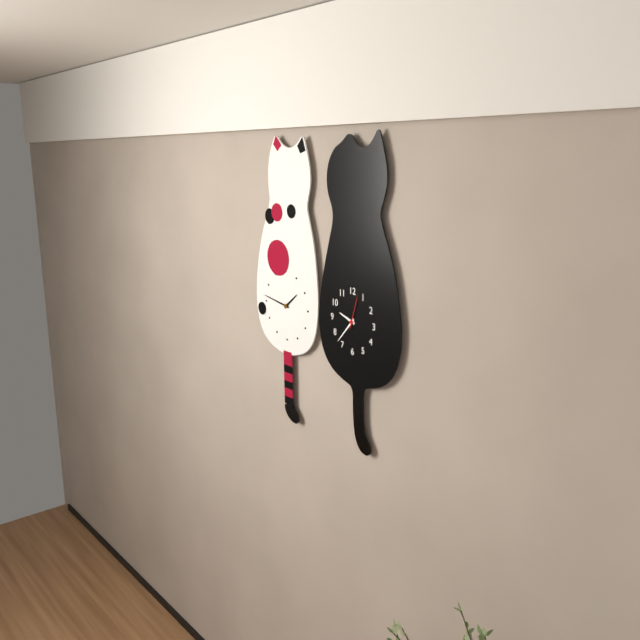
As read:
9 h 37 min
